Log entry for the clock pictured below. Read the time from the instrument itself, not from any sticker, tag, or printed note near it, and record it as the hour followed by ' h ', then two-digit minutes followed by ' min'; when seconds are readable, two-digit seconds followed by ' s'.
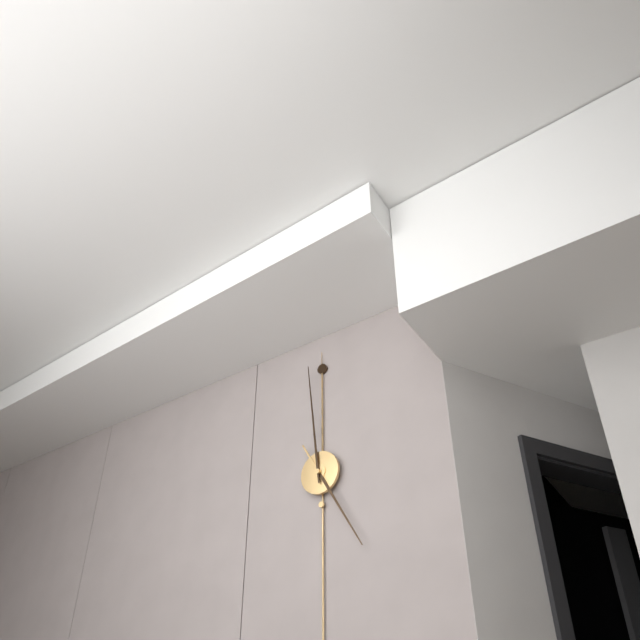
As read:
4 h 59 min
